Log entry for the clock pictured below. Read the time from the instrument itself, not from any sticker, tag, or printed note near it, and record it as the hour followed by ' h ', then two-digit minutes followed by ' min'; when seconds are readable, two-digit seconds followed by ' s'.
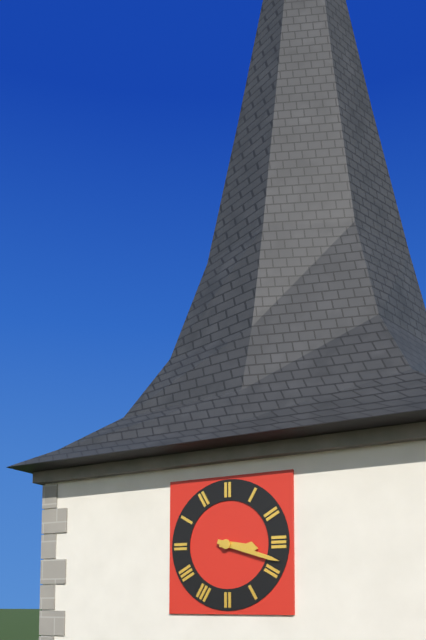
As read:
3 h 18 min
